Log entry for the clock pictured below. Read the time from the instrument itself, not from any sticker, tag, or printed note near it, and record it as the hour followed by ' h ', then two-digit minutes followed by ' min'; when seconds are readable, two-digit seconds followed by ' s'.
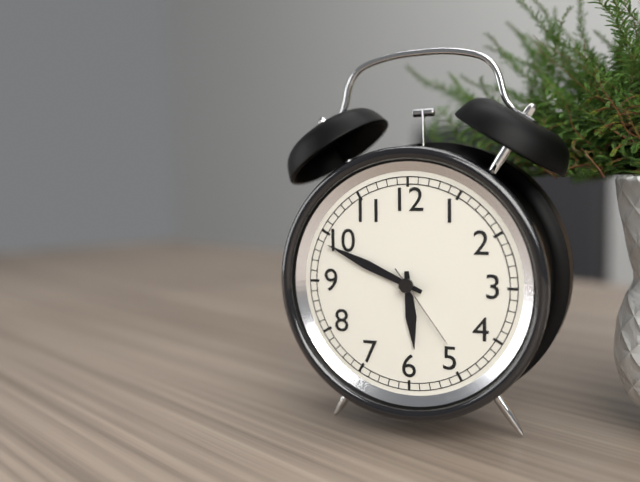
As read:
5 h 49 min 24 s
